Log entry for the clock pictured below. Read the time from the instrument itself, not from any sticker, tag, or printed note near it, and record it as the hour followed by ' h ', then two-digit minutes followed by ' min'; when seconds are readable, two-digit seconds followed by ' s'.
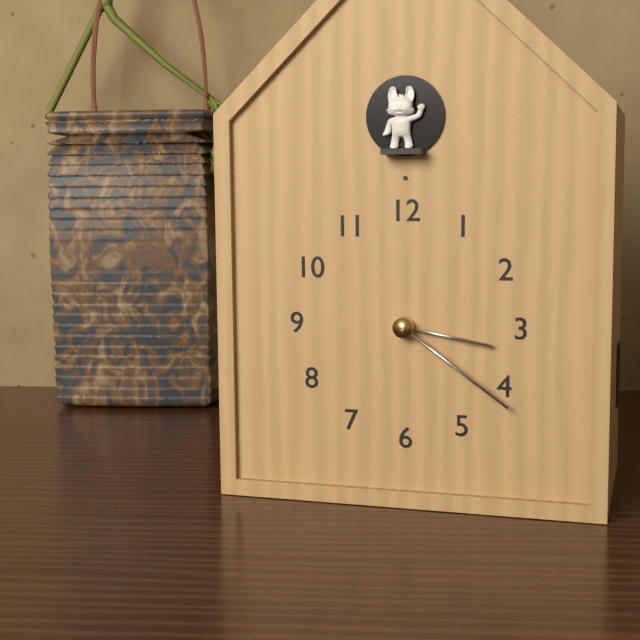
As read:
3 h 21 min
